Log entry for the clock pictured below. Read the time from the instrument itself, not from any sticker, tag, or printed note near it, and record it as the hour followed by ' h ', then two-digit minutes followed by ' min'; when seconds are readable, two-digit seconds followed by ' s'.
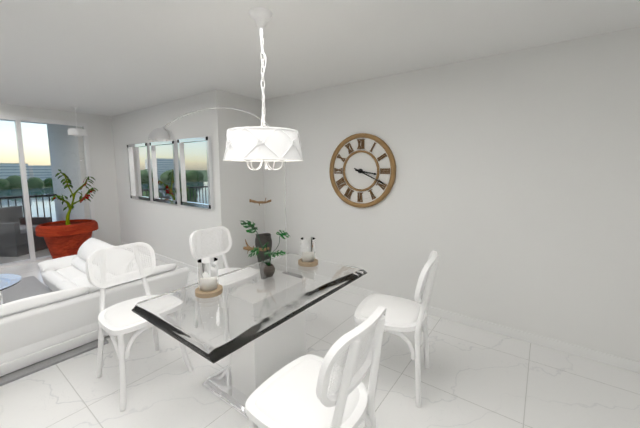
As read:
3 h 19 min
